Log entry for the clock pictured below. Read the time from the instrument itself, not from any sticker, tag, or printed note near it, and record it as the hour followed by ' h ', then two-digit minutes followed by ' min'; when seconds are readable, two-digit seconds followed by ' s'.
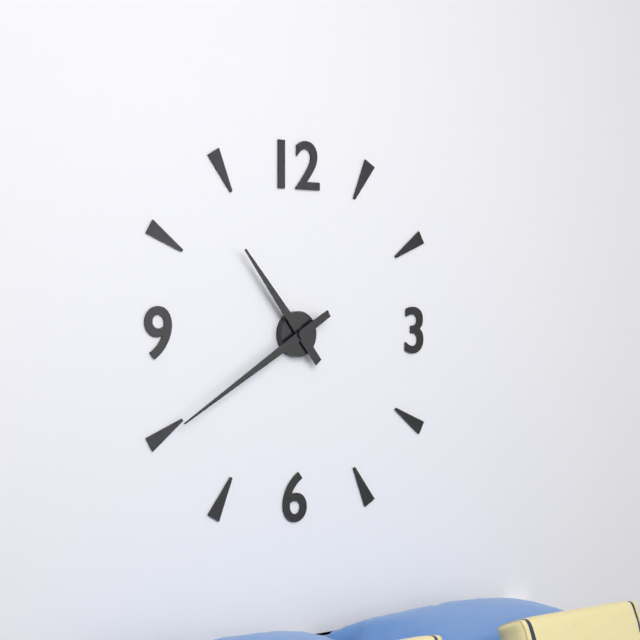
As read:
10 h 40 min
